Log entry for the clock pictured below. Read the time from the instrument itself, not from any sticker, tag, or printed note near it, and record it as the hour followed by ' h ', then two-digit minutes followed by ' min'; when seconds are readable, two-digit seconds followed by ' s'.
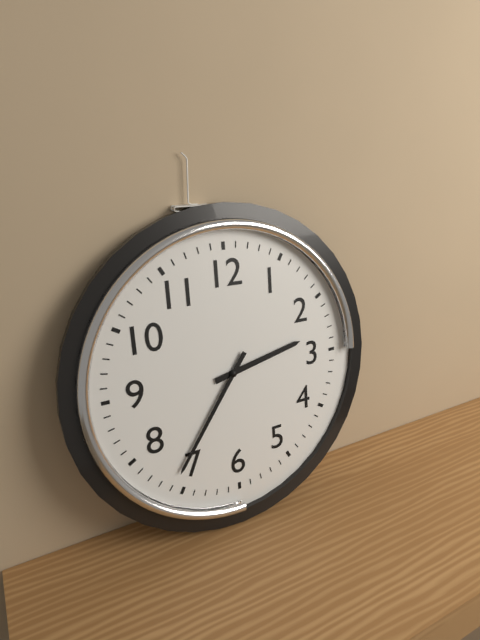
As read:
2 h 36 min
